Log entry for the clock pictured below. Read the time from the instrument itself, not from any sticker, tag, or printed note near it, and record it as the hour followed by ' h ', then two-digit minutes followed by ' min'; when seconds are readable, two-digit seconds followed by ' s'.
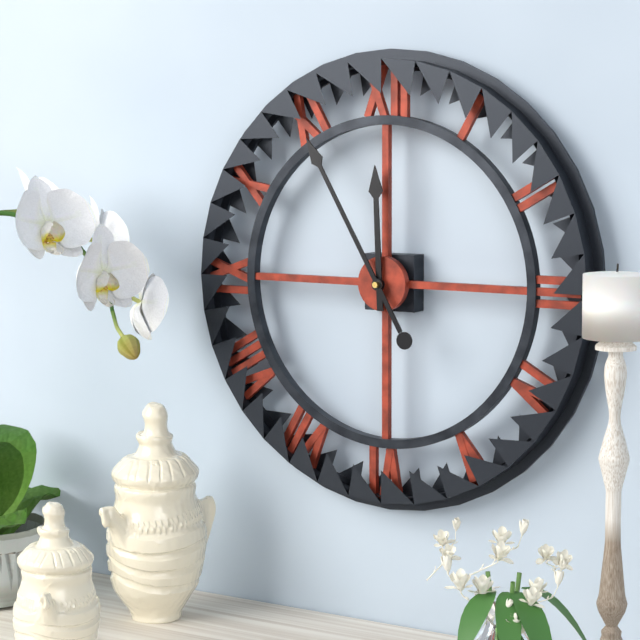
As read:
11 h 55 min
